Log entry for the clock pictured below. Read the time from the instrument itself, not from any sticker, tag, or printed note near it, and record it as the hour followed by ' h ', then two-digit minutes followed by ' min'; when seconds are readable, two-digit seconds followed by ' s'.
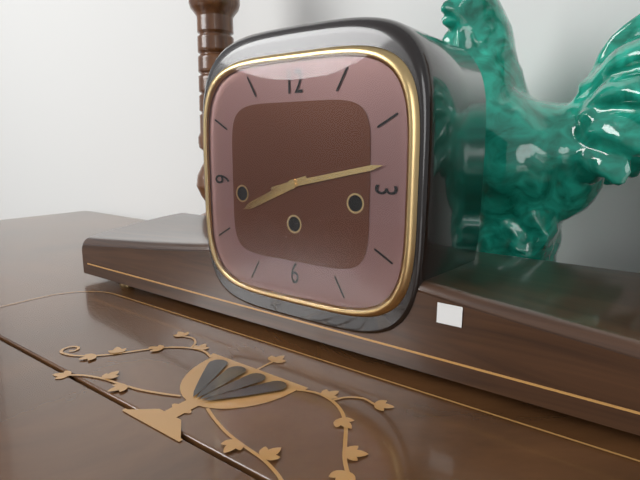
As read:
8 h 13 min
